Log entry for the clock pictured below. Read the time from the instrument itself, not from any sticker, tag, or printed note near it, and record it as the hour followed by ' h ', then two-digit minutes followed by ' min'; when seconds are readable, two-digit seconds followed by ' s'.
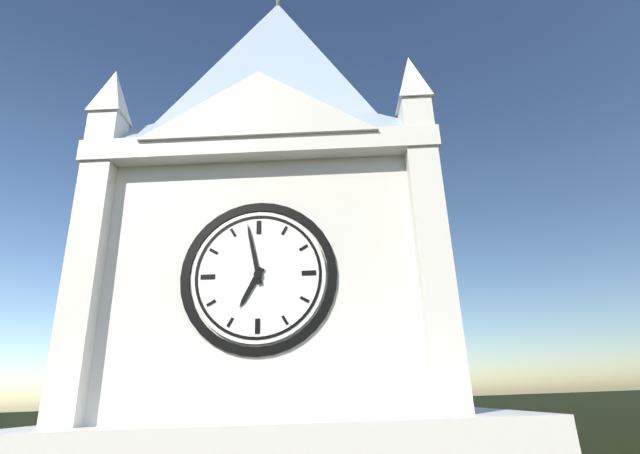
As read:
6 h 58 min
